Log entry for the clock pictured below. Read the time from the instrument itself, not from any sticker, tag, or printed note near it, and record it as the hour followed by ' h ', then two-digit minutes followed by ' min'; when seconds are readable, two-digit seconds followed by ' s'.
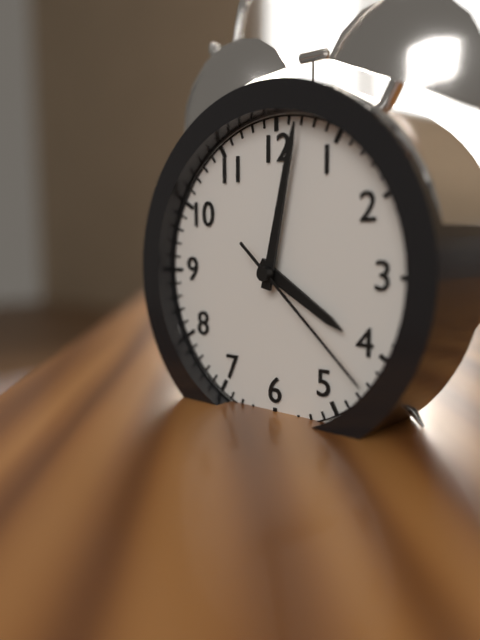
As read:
4 h 02 min 22 s
